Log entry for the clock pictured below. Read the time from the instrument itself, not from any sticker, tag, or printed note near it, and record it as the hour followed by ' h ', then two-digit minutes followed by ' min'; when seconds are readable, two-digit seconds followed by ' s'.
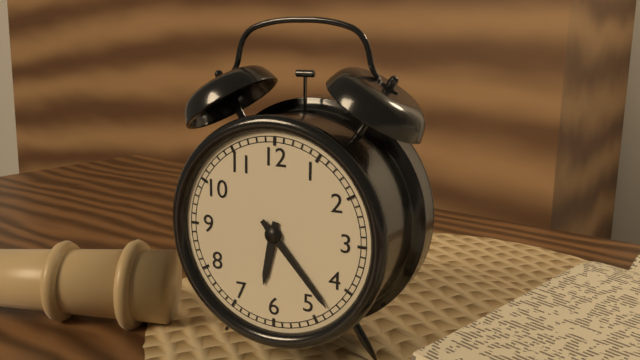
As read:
6 h 23 min
